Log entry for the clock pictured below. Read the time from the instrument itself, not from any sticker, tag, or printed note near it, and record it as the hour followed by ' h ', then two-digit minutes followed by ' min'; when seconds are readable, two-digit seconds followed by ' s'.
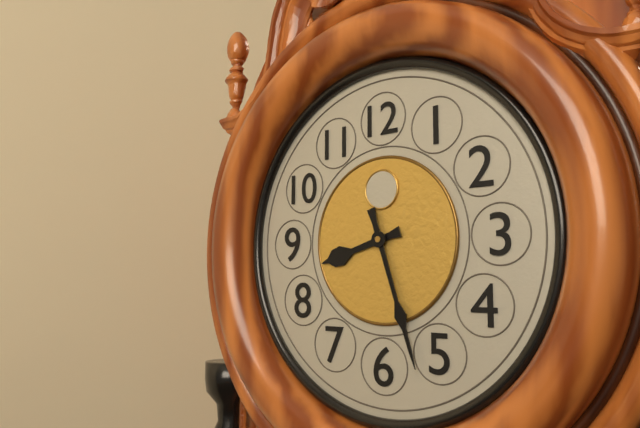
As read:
8 h 27 min
